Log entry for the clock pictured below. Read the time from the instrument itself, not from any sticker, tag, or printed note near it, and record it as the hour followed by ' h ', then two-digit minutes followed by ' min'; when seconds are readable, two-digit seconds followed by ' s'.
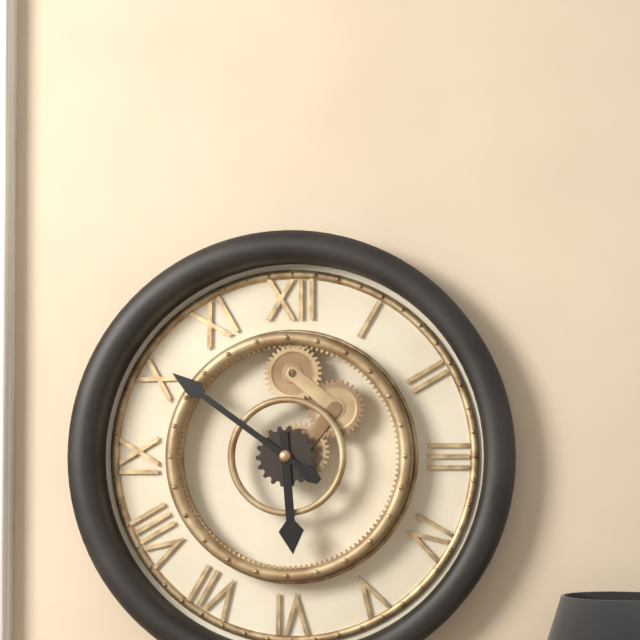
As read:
5 h 51 min
